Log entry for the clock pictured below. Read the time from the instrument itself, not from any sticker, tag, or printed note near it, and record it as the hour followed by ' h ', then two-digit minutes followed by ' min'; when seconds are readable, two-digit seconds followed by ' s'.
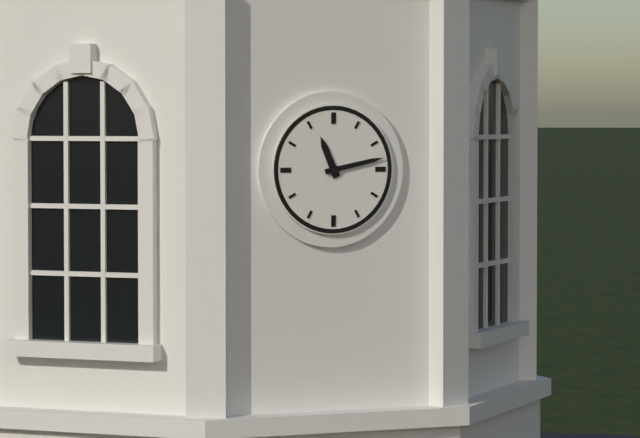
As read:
11 h 13 min
